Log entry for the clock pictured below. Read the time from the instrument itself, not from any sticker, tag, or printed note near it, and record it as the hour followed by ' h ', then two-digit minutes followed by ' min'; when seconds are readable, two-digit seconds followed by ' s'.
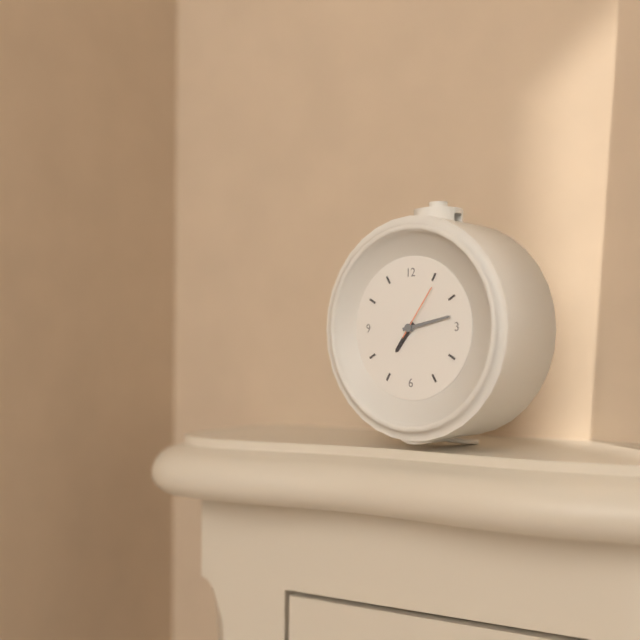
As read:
7 h 13 min 06 s
